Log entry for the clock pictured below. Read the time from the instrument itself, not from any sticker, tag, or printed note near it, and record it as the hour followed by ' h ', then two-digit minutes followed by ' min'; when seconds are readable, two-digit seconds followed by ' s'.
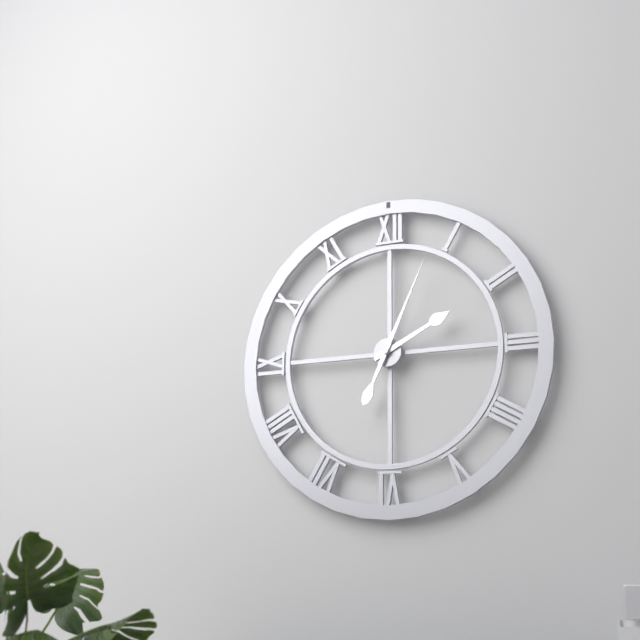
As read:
2 h 04 min
